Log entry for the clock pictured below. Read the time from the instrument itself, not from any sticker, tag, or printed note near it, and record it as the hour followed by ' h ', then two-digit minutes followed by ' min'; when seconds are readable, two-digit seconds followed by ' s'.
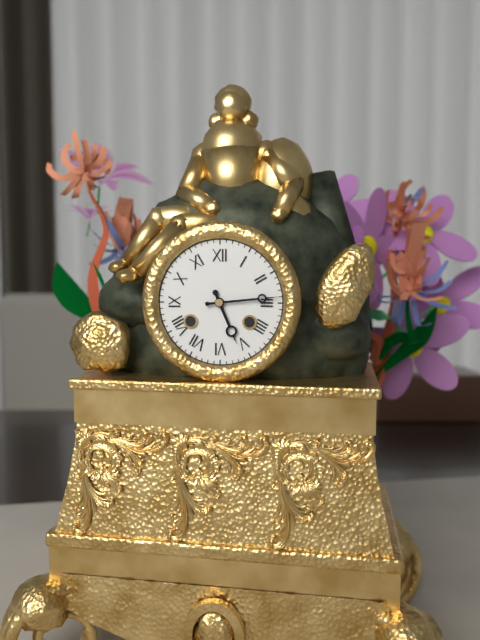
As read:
5 h 14 min
